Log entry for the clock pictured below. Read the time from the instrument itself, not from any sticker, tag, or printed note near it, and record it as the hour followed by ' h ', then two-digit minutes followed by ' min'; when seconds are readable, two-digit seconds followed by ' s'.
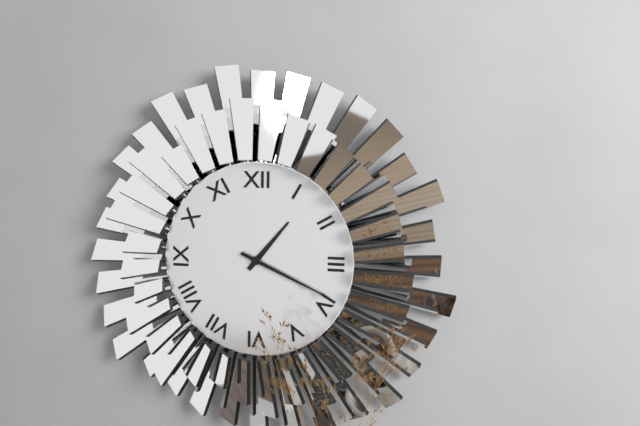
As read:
1 h 19 min
